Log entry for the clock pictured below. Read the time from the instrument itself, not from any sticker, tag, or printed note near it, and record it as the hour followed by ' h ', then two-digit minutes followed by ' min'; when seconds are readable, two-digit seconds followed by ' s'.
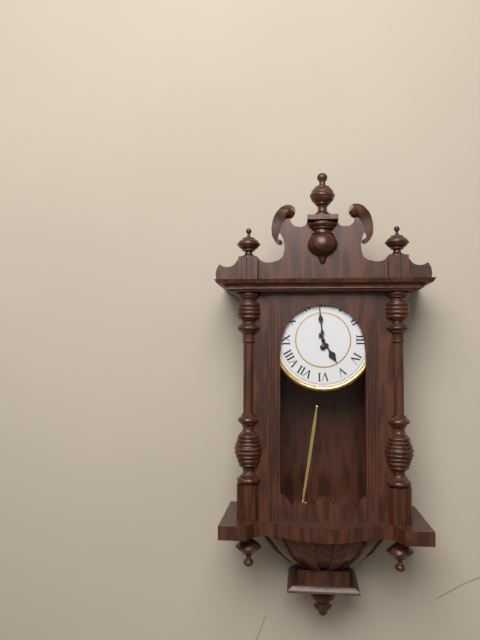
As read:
4 h 59 min
